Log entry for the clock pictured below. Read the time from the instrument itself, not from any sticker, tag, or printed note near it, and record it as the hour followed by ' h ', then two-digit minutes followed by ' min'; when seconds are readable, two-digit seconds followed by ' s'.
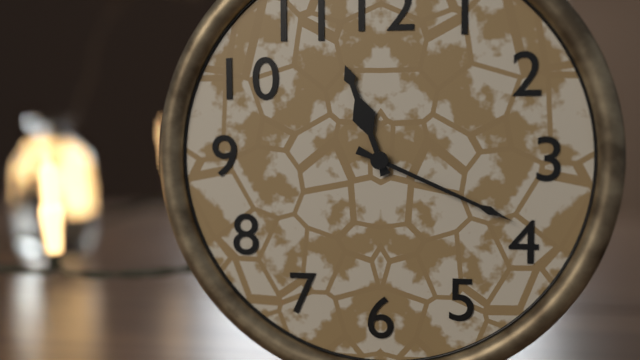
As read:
11 h 19 min
